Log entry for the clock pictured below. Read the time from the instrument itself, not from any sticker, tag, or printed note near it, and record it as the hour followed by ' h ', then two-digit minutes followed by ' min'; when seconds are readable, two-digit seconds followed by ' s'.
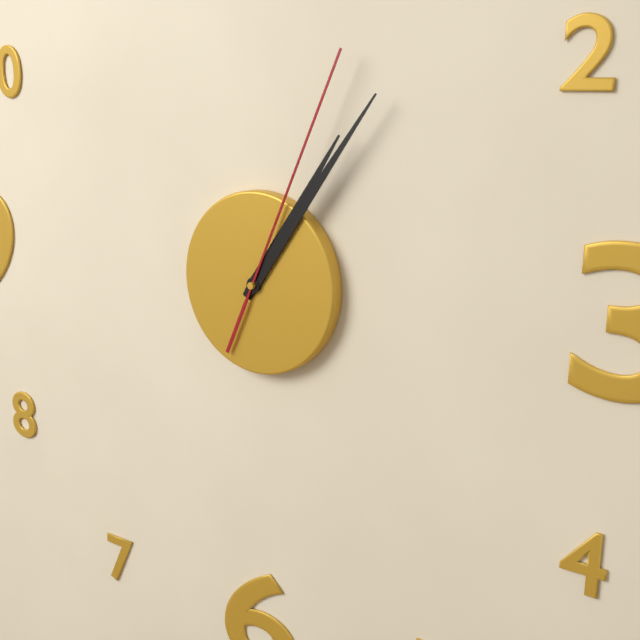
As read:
1 h 06 min 04 s
